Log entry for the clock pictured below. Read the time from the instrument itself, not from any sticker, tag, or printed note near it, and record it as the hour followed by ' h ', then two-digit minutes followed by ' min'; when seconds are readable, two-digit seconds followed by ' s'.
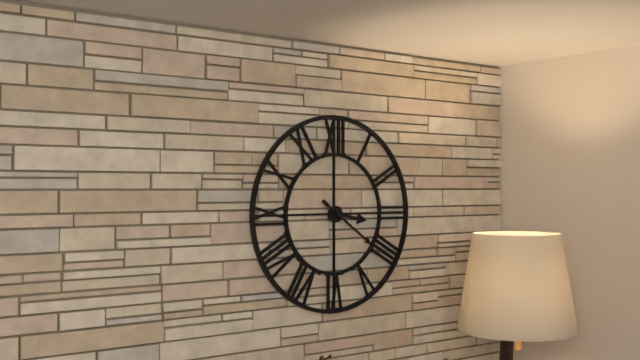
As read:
3 h 21 min
